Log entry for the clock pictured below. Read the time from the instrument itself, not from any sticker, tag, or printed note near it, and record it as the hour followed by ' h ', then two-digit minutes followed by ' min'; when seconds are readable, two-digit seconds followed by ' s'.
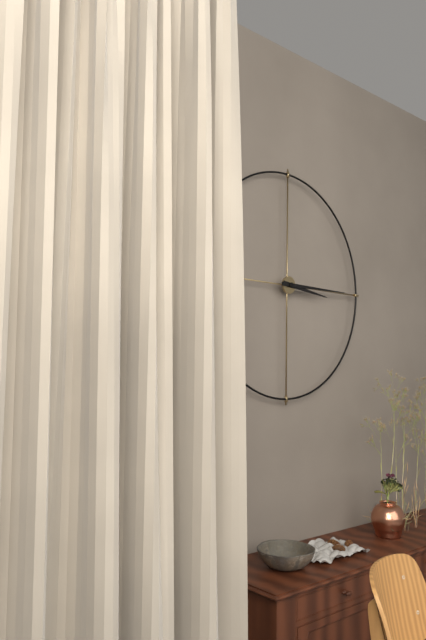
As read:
3 h 15 min
